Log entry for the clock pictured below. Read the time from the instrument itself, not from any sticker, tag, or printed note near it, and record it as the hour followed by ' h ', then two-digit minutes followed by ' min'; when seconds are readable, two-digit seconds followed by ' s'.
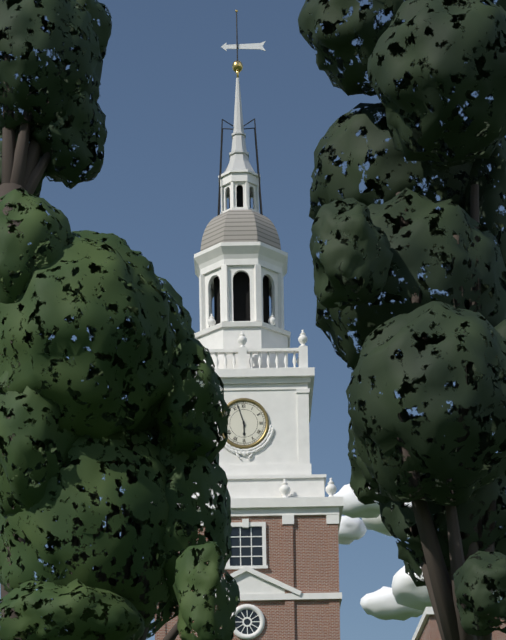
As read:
5 h 57 min
